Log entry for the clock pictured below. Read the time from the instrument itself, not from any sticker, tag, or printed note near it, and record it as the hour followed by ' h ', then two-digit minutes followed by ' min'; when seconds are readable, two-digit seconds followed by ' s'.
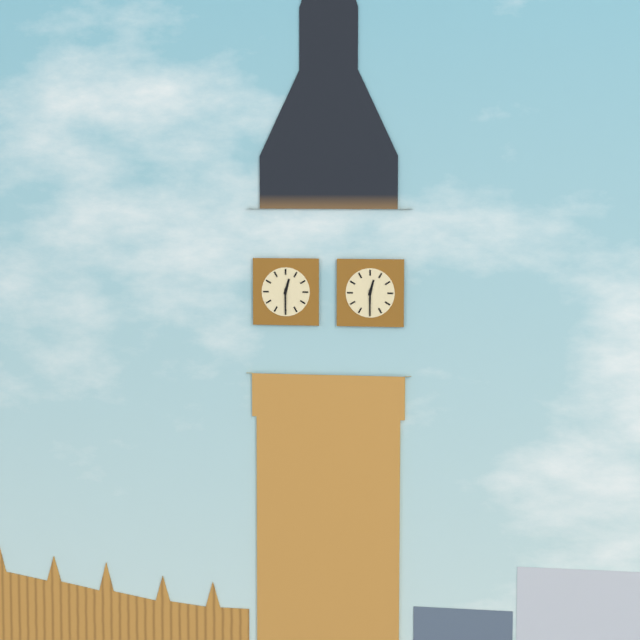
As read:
12 h 30 min
